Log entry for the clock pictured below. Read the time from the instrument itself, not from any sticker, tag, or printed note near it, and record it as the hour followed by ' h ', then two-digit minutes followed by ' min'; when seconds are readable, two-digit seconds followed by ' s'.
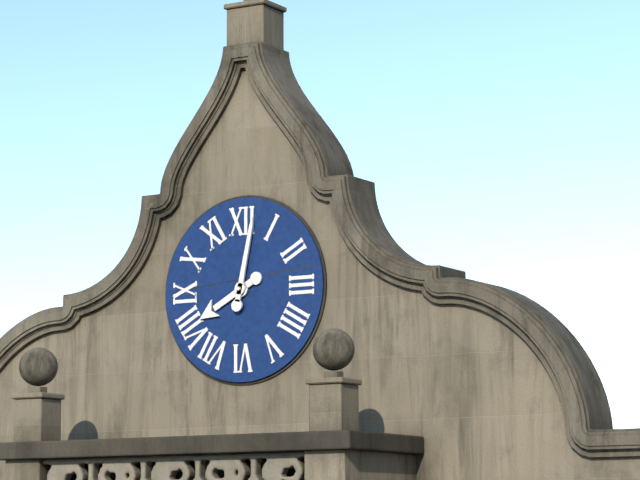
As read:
8 h 02 min
